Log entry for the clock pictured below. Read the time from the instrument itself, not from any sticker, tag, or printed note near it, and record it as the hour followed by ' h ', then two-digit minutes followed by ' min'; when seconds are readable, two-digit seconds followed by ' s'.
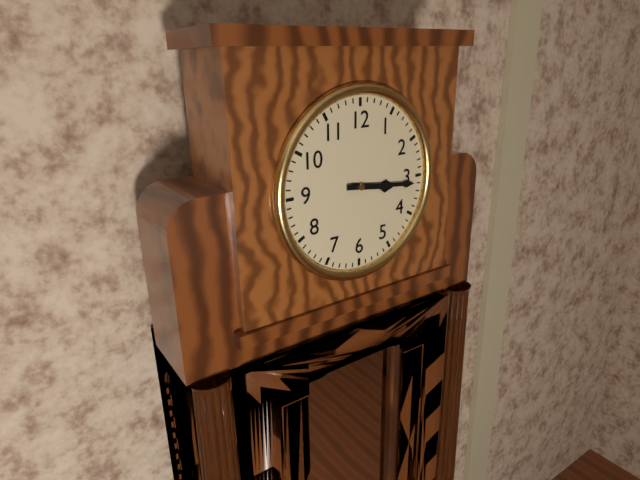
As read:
3 h 16 min
